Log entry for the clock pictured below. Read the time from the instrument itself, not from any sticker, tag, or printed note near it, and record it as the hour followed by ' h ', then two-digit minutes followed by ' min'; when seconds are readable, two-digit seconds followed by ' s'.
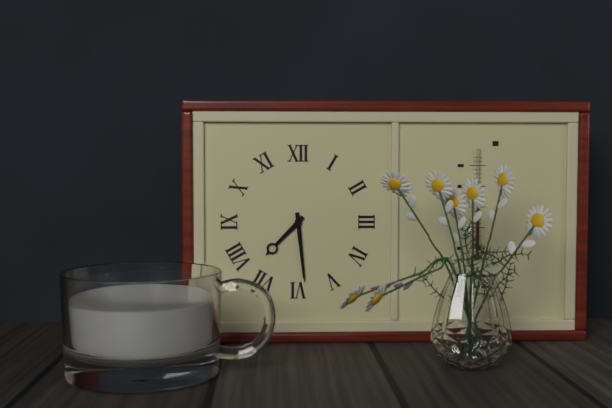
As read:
7 h 29 min
